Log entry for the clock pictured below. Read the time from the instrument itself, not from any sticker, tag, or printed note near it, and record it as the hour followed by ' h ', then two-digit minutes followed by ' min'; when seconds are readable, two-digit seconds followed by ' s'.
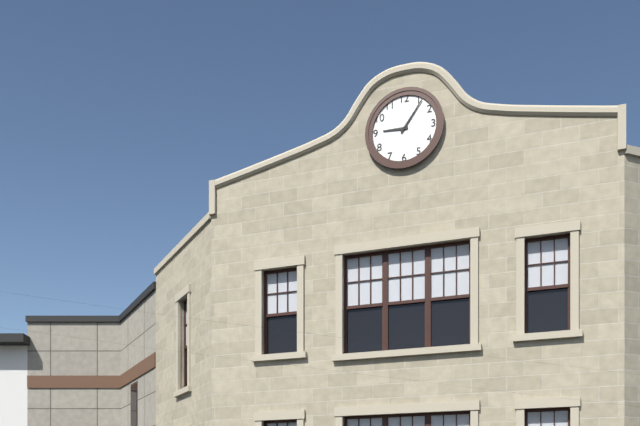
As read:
9 h 06 min
